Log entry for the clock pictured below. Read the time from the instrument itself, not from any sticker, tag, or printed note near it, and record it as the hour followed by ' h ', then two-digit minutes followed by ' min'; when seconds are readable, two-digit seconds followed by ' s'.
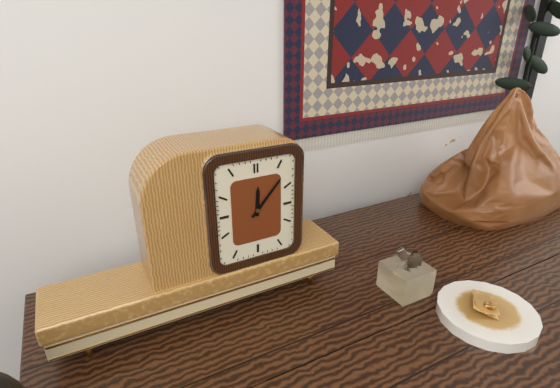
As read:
12 h 07 min
